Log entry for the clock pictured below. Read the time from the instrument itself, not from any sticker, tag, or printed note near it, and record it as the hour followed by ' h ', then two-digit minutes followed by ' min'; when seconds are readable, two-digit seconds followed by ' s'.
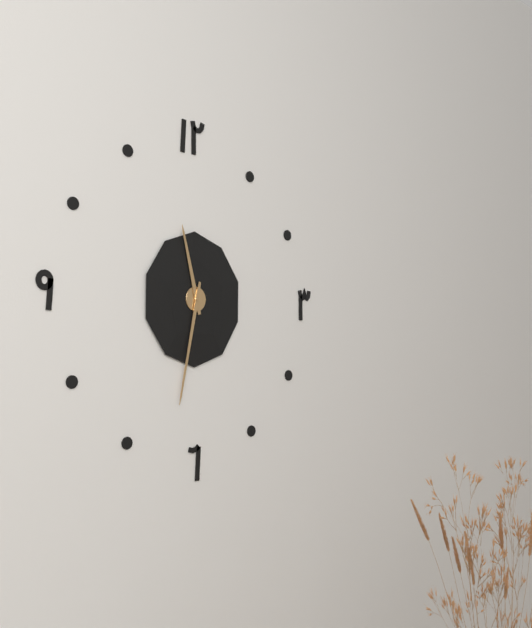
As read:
11 h 32 min
